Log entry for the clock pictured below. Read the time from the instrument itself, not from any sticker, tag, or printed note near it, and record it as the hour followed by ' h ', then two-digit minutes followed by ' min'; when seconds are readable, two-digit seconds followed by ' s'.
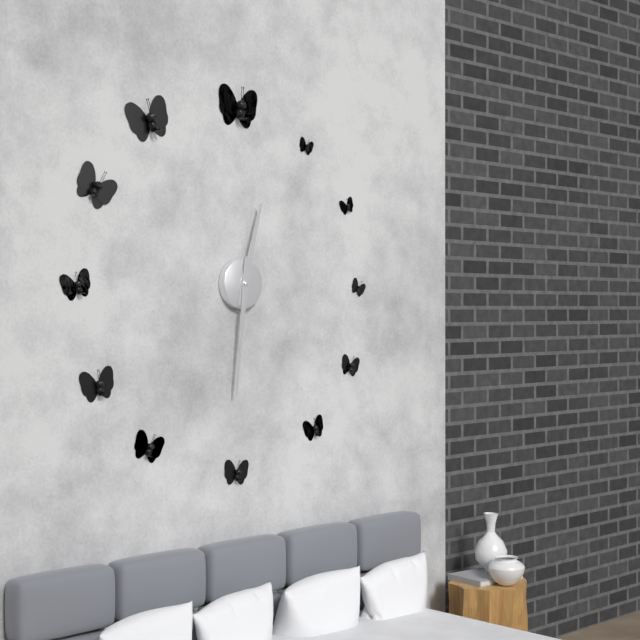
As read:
12 h 31 min
